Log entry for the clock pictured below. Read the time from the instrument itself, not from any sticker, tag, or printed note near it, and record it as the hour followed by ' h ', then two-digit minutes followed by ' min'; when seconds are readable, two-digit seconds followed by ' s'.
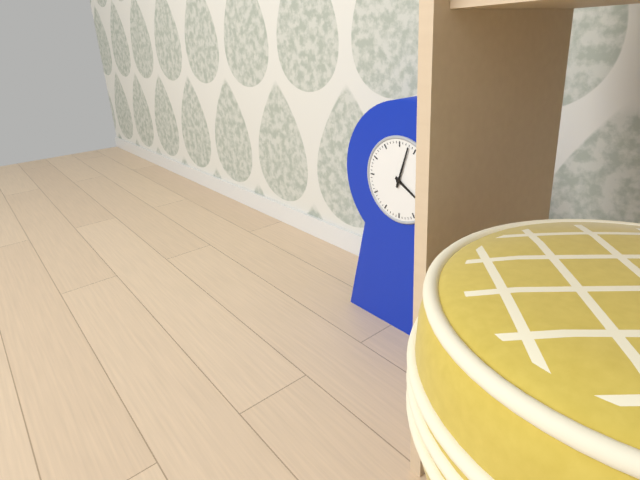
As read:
4 h 03 min
